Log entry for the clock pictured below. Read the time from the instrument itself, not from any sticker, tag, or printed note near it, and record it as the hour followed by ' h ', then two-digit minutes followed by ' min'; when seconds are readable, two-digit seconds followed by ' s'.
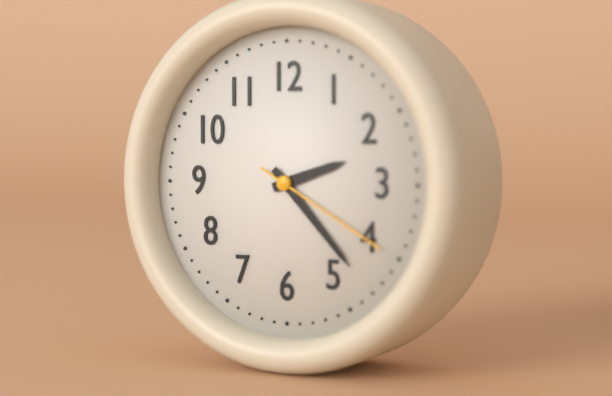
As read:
2 h 23 min 20 s
